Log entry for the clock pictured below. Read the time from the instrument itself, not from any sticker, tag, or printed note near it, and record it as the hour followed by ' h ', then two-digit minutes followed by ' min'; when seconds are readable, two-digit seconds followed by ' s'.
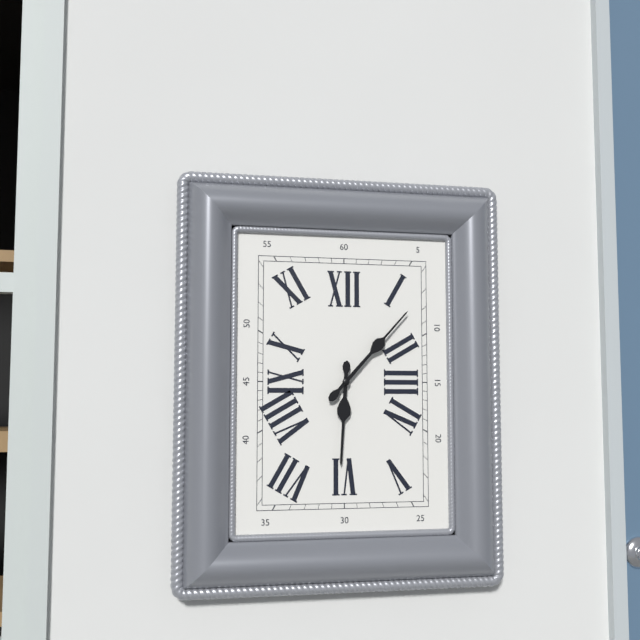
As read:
6 h 07 min
